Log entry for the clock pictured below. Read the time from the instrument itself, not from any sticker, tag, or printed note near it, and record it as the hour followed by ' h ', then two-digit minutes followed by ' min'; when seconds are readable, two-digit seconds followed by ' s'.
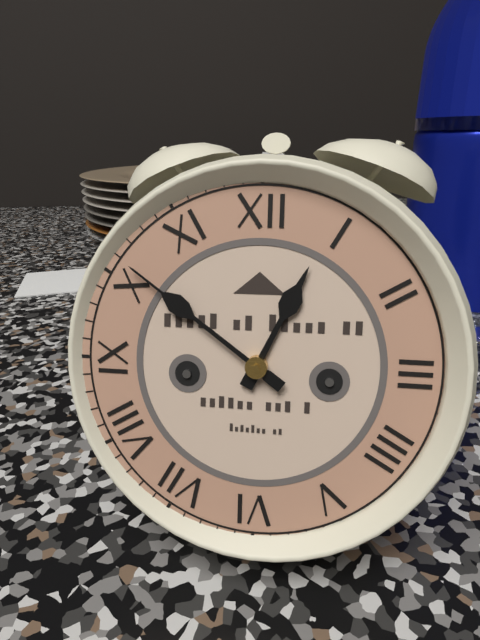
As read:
12 h 51 min
